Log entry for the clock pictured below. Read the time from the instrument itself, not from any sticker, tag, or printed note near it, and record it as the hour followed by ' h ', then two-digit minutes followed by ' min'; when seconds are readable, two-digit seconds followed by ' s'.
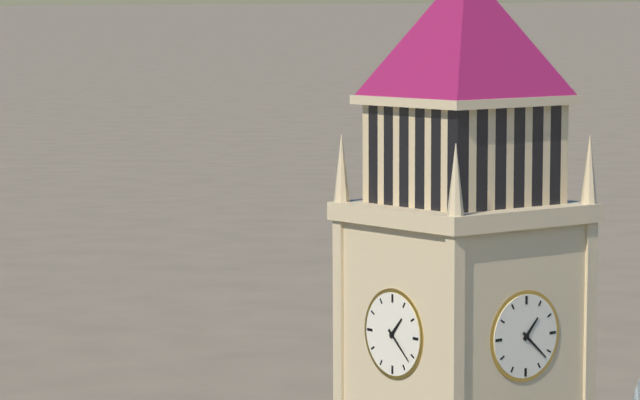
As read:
1 h 22 min
